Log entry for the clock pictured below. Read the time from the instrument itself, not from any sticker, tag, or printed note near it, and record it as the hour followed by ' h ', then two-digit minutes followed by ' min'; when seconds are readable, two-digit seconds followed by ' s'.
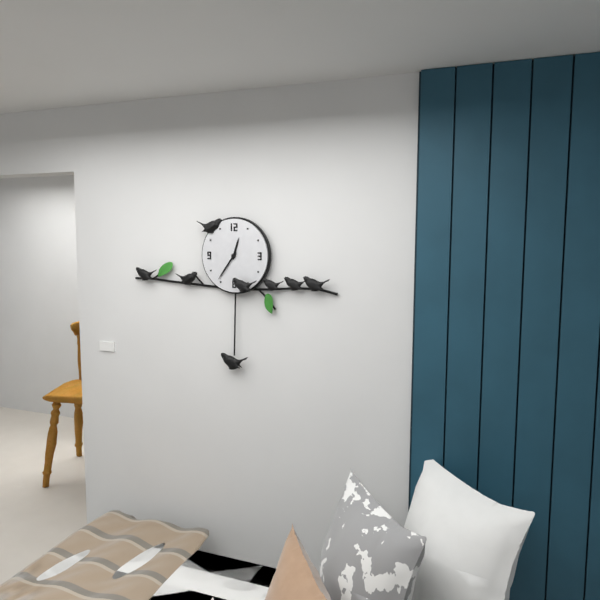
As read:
12 h 36 min
